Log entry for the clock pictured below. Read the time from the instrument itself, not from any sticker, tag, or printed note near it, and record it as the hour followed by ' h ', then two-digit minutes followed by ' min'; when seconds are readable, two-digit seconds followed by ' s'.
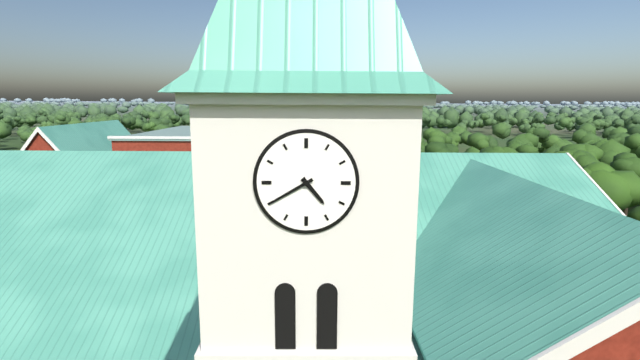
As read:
4 h 40 min
